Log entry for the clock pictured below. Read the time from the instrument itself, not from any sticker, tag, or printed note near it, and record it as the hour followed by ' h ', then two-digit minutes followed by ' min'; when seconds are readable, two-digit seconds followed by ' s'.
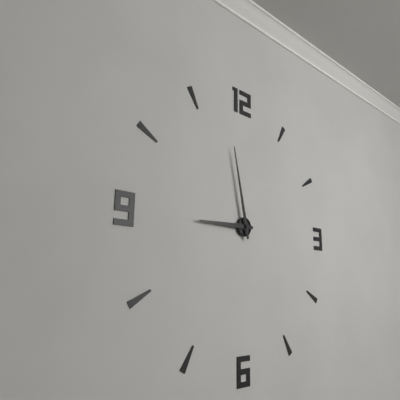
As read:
8 h 58 min
